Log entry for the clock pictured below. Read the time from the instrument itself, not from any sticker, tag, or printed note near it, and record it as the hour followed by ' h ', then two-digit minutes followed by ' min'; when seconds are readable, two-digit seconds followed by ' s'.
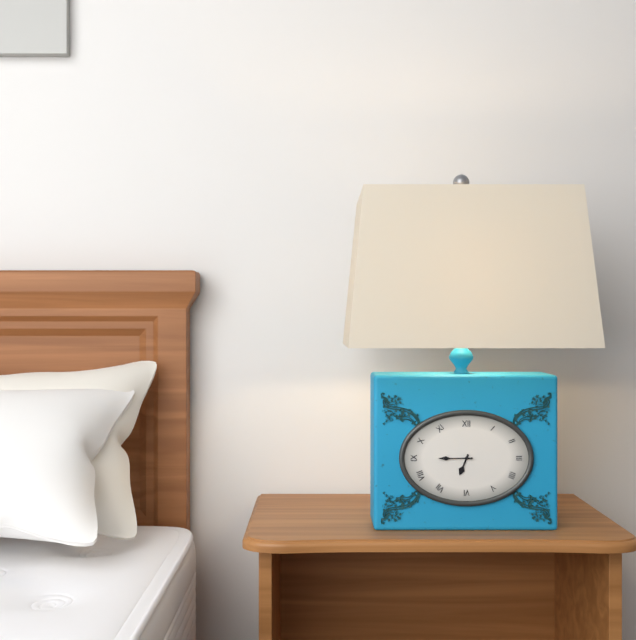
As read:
6 h 45 min
